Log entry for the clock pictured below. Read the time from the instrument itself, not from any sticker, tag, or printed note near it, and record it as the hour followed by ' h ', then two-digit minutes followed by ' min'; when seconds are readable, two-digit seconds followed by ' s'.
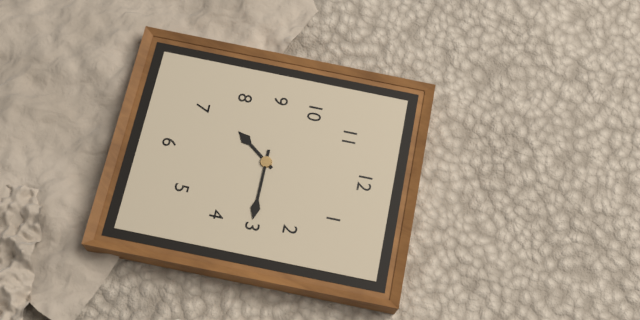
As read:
7 h 15 min
